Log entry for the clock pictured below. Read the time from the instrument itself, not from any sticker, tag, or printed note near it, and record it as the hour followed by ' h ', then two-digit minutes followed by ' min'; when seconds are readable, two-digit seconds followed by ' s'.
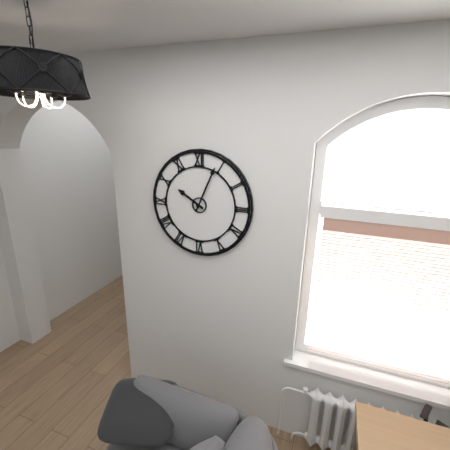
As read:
10 h 04 min
